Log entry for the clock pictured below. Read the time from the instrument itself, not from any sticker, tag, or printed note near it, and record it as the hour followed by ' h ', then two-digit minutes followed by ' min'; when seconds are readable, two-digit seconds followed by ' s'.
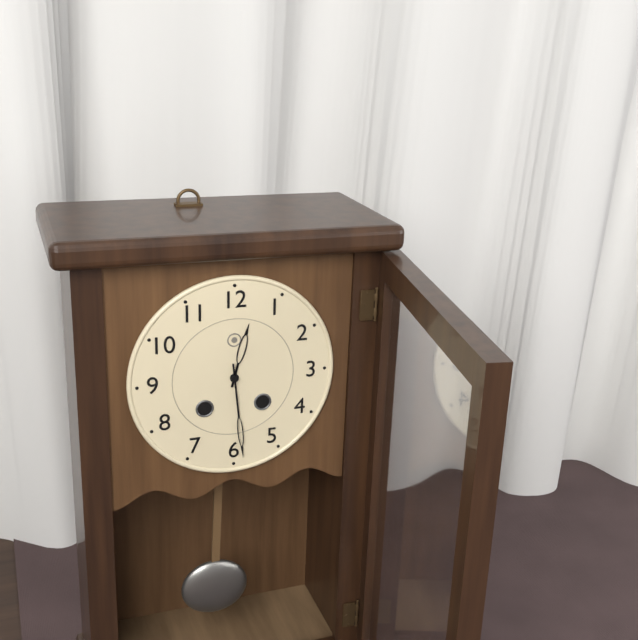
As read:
12 h 29 min
